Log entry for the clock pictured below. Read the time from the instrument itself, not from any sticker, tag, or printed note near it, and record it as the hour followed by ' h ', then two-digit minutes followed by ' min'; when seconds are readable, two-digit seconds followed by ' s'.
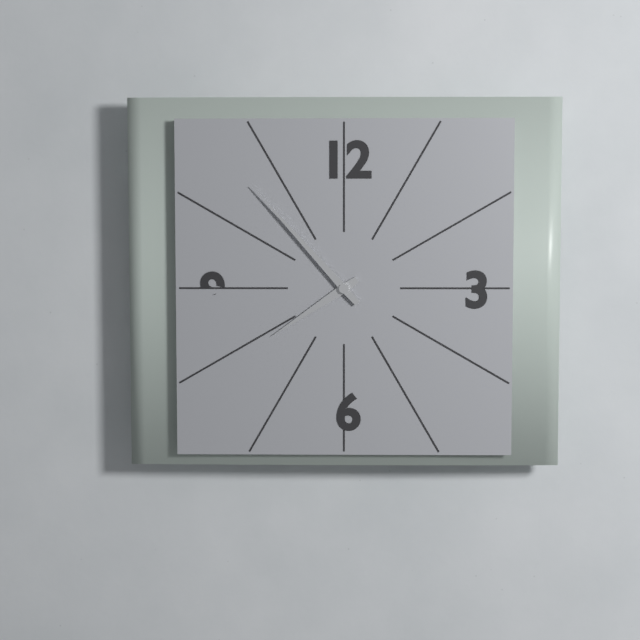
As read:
7 h 53 min
